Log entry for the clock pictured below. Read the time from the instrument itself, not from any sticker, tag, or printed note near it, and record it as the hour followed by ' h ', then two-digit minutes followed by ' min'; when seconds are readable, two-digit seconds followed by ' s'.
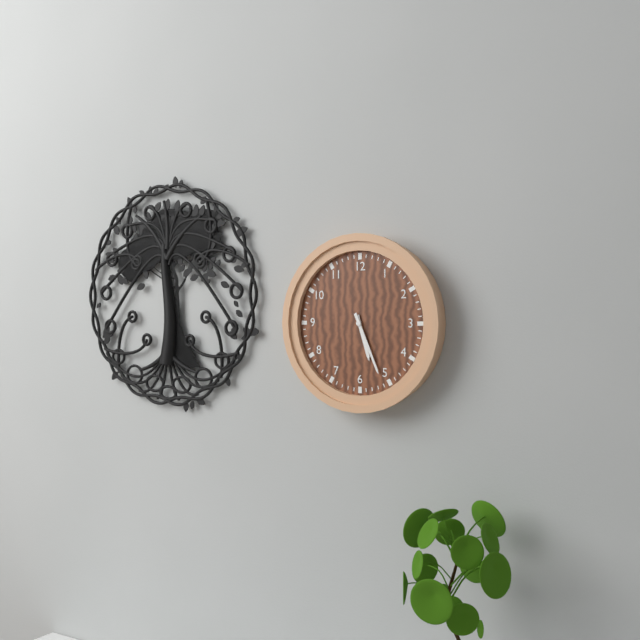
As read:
5 h 26 min
